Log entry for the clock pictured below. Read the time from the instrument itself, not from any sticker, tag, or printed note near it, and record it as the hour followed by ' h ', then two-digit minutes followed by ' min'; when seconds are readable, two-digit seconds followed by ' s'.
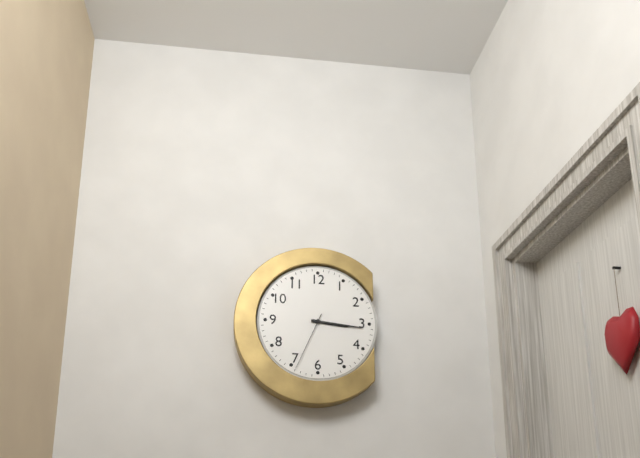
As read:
3 h 16 min 34 s
